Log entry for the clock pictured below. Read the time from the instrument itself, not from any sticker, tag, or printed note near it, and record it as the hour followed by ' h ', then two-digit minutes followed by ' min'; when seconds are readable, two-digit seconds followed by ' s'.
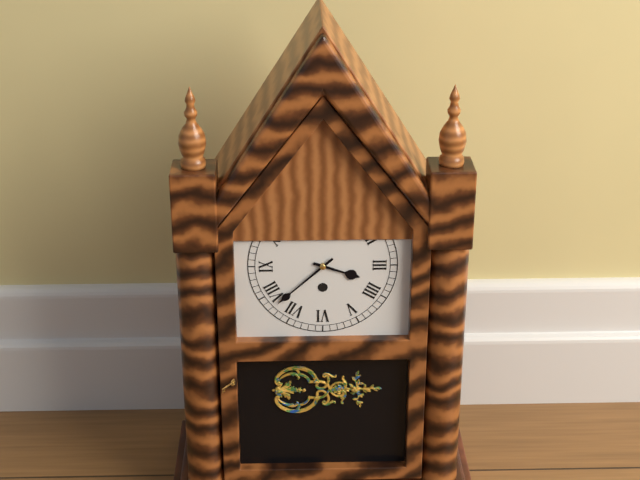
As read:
3 h 38 min
